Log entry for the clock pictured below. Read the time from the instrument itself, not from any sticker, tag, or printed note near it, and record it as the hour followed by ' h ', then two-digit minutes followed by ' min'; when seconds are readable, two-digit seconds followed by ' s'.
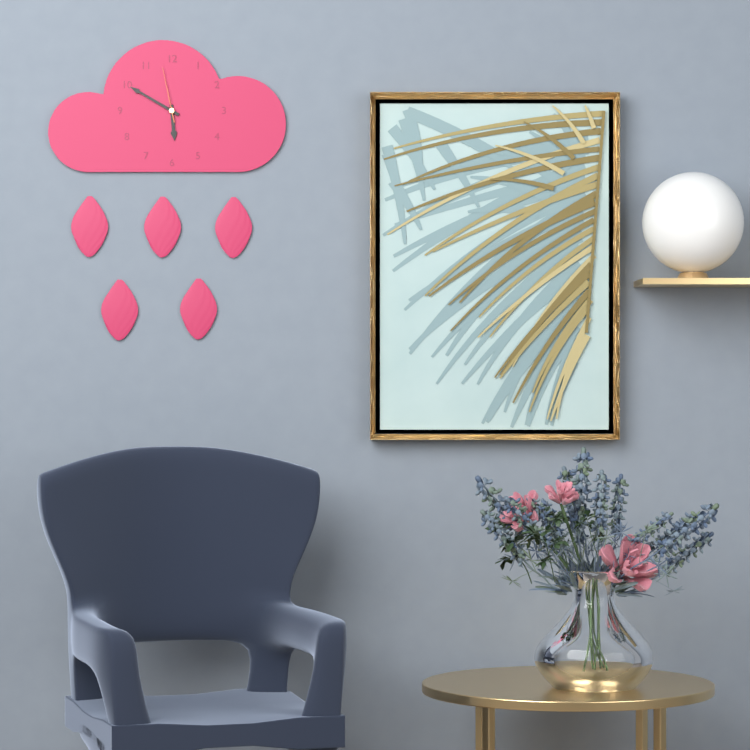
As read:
5 h 50 min 58 s
